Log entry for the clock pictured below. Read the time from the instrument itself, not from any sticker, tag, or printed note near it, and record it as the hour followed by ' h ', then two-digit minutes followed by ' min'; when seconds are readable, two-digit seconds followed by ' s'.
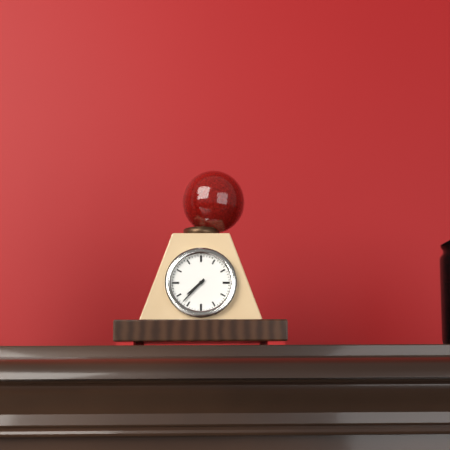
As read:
7 h 37 min
